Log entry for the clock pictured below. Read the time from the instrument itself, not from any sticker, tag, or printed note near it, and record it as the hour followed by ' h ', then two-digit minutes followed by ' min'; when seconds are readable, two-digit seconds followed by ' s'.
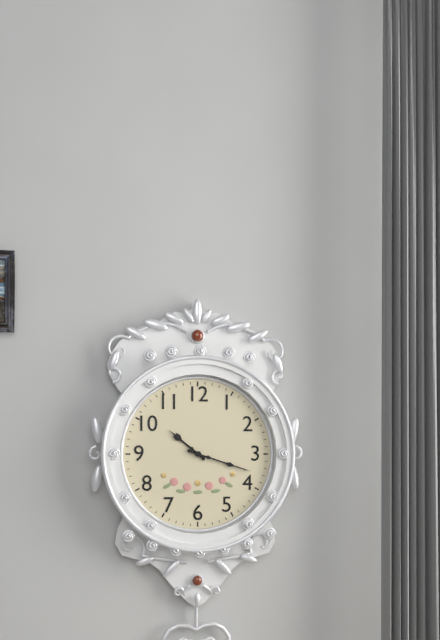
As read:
10 h 18 min
